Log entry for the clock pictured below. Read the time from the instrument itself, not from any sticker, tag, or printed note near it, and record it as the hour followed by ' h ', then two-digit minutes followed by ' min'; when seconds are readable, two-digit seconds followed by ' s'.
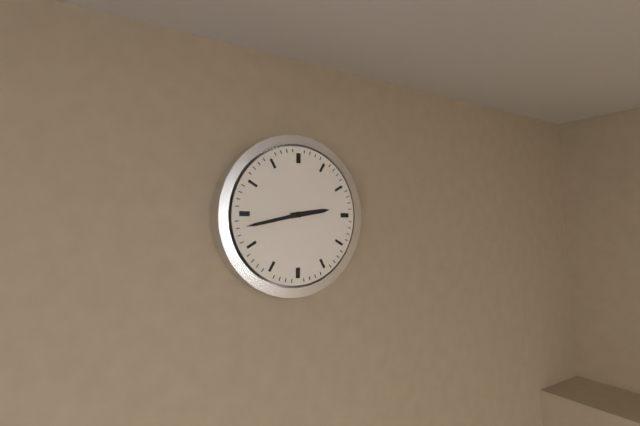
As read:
2 h 43 min
